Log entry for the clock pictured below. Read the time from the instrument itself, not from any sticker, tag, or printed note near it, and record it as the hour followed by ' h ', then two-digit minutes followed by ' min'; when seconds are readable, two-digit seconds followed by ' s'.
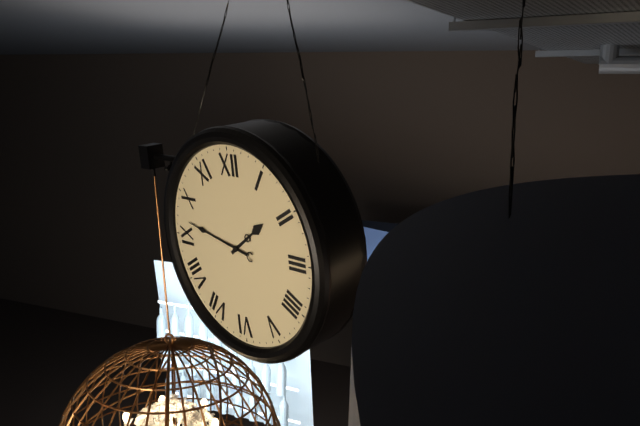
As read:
1 h 47 min
